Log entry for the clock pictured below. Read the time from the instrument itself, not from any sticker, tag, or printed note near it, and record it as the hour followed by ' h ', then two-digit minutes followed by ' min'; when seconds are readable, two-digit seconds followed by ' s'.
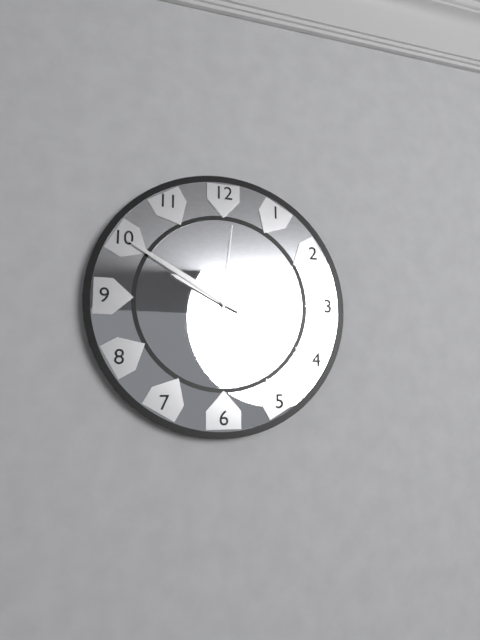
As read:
9 h 50 min 01 s
